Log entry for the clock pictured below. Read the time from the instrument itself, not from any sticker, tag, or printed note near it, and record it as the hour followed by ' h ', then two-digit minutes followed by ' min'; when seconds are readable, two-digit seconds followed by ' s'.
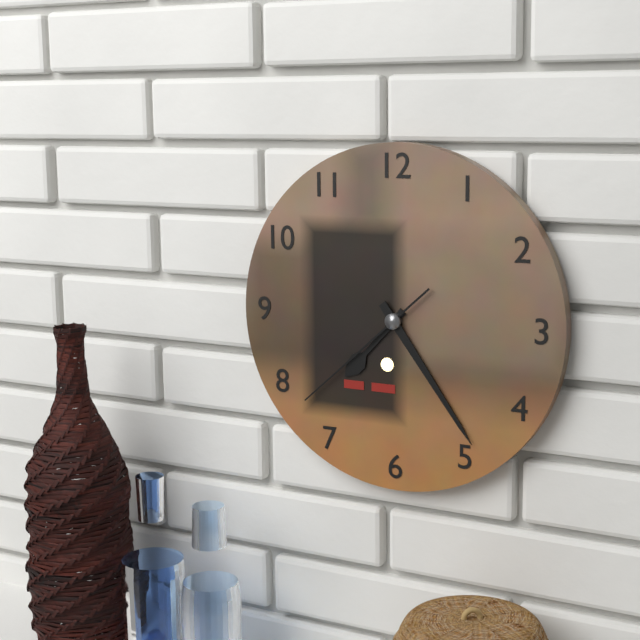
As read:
7 h 24 min 38 s
